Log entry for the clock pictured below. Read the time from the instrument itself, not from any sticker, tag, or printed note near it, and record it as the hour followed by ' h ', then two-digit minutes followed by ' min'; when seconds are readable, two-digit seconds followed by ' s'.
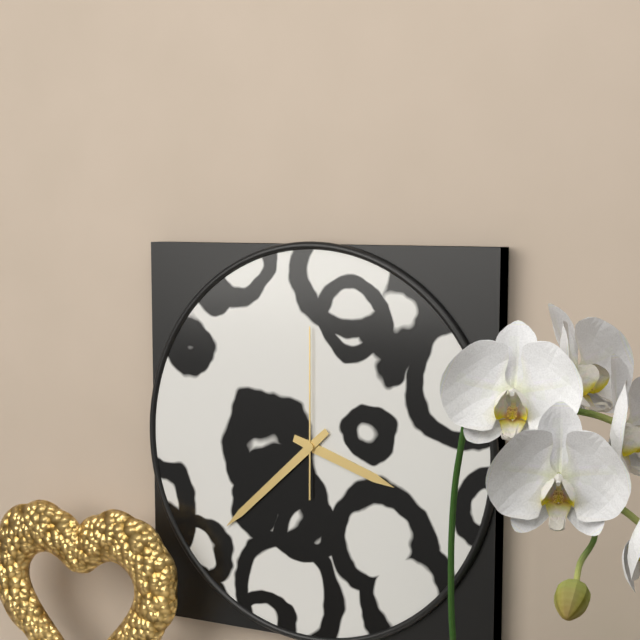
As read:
3 h 38 min 00 s
